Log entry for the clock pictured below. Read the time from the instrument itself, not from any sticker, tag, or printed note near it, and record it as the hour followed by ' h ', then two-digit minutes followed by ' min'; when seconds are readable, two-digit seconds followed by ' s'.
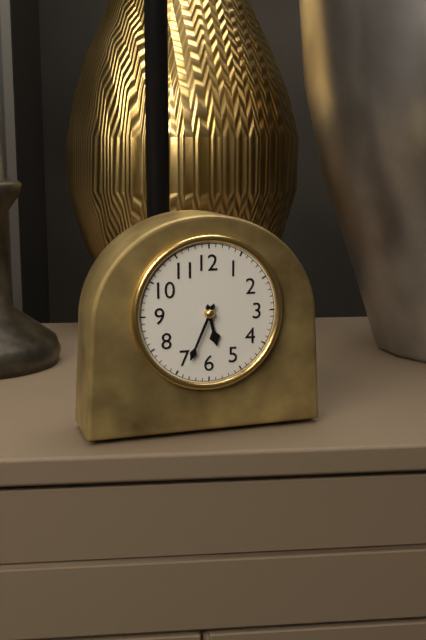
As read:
5 h 34 min
